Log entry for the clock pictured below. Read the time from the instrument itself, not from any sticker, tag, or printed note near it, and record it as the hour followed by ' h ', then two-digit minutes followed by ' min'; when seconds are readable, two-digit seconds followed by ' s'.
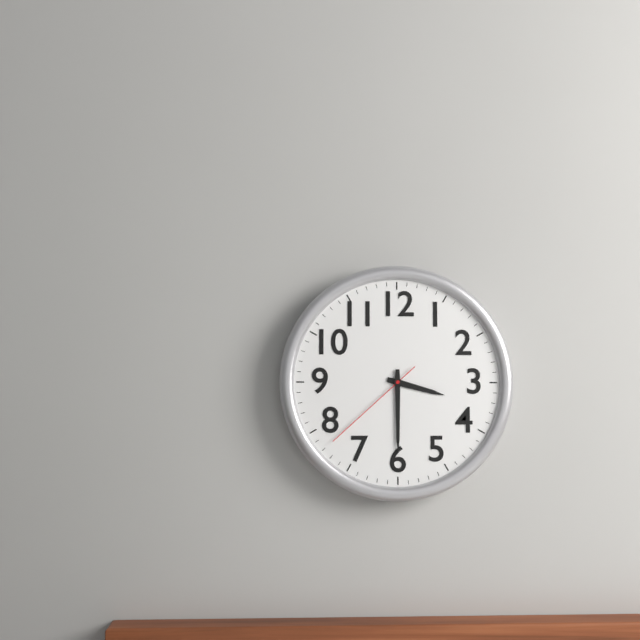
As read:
3 h 30 min 38 s
